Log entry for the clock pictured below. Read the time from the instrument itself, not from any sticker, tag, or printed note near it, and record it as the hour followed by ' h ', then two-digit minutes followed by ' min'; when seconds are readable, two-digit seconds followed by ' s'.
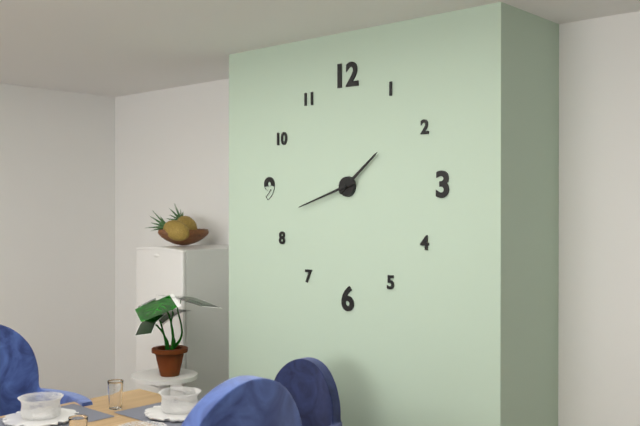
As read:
1 h 42 min
